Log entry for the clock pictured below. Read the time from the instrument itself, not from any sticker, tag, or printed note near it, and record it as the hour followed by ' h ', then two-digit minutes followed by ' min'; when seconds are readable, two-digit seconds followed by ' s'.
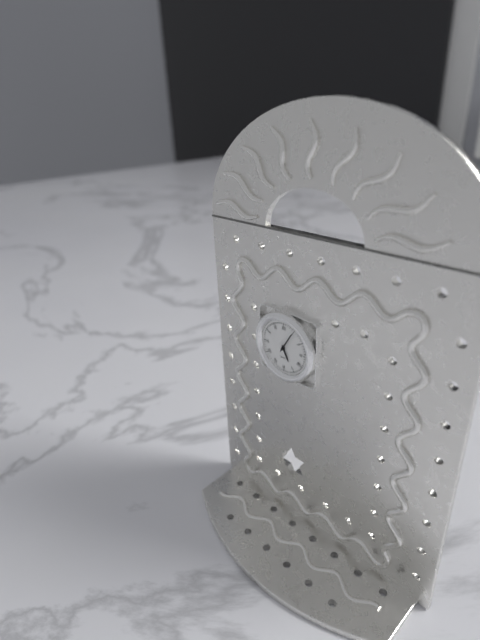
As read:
5 h 05 min
